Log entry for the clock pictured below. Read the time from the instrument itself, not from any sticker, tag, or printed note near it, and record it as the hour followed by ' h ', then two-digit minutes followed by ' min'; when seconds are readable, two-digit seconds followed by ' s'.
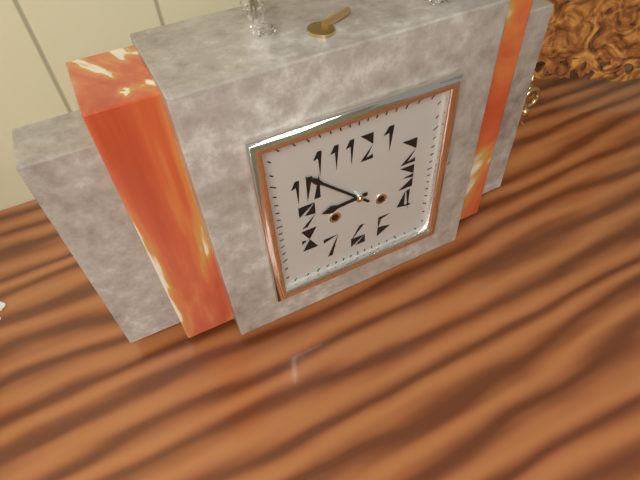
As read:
8 h 52 min
